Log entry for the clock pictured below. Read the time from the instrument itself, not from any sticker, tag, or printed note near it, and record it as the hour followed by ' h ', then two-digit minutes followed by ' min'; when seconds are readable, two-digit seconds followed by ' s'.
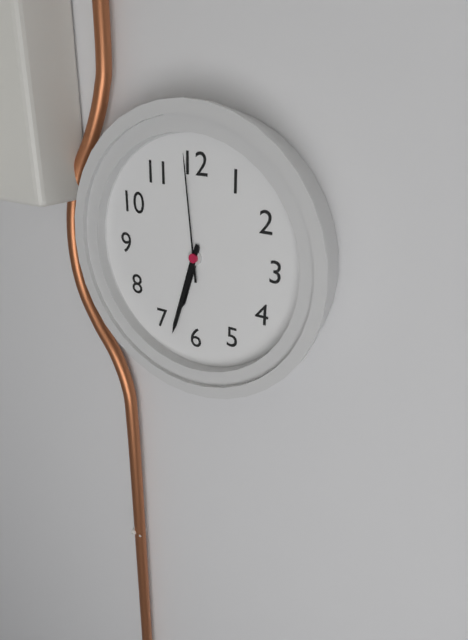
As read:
6 h 33 min 59 s
